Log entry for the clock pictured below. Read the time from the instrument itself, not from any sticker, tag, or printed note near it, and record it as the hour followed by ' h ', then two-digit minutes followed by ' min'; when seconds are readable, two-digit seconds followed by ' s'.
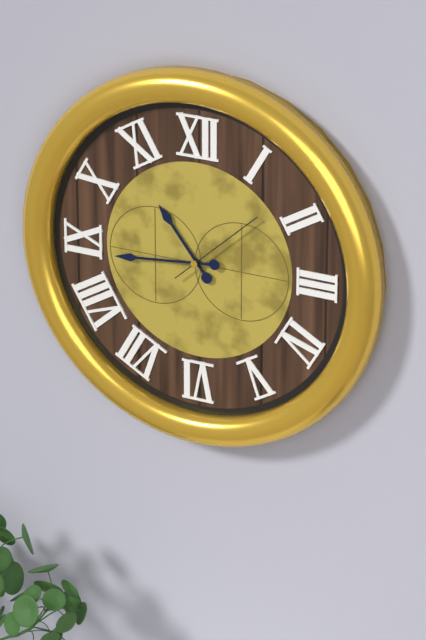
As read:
10 h 44 min 08 s
